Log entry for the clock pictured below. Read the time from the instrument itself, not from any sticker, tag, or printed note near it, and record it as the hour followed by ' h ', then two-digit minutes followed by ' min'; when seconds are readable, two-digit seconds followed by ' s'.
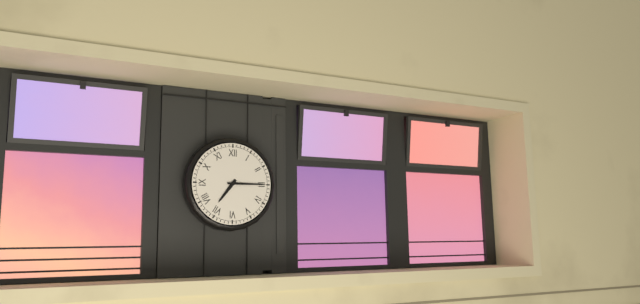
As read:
7 h 15 min
